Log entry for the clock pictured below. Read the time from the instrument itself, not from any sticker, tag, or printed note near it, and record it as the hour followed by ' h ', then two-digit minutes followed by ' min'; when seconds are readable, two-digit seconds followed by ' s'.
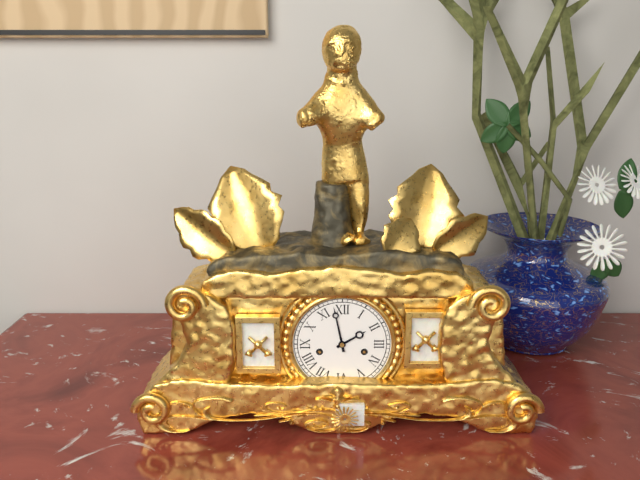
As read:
1 h 58 min
